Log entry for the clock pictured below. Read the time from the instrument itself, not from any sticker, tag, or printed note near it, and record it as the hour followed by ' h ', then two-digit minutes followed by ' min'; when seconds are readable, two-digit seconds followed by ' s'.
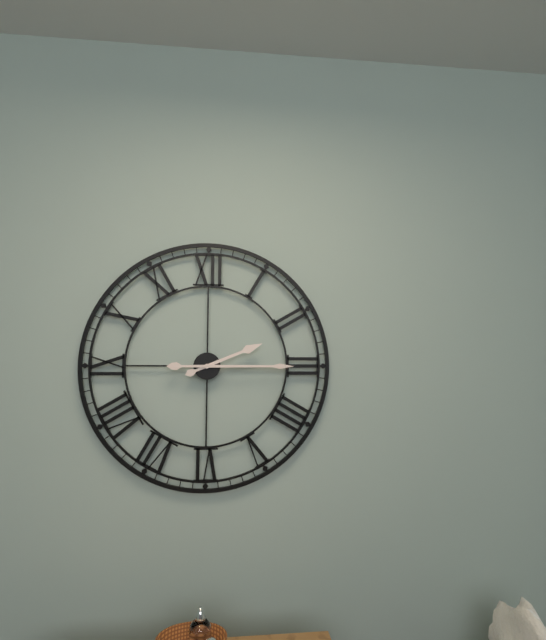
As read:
2 h 15 min
